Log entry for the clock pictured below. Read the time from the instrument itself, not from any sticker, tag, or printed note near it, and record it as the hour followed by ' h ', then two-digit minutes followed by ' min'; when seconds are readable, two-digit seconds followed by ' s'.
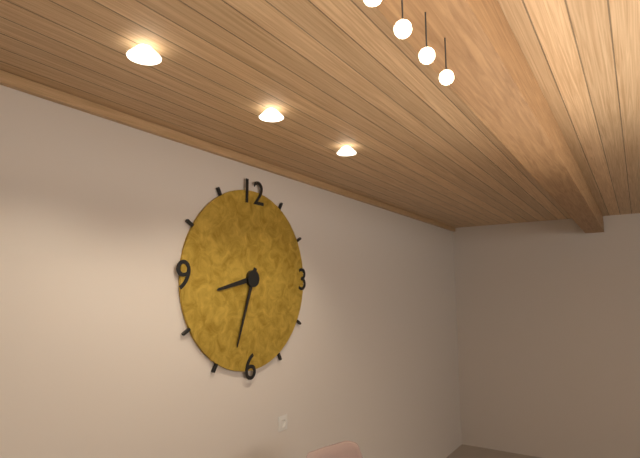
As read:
8 h 33 min
